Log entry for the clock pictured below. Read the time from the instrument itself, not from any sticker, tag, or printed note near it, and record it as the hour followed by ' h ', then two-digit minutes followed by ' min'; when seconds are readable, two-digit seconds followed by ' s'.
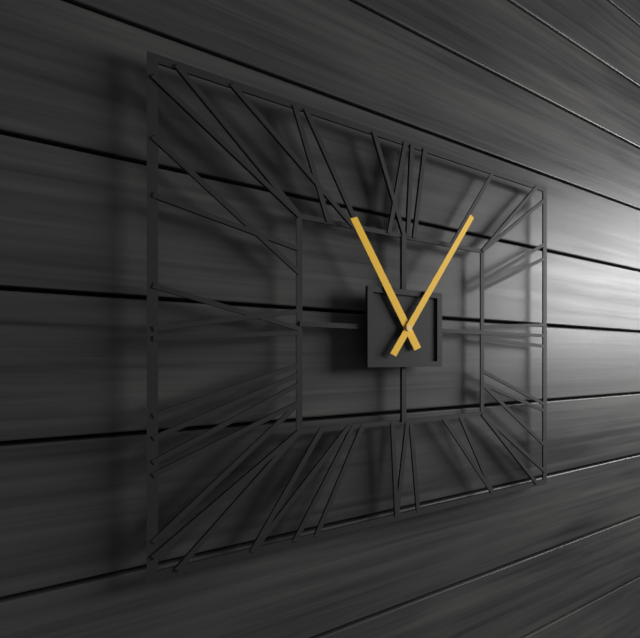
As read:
11 h 05 min
